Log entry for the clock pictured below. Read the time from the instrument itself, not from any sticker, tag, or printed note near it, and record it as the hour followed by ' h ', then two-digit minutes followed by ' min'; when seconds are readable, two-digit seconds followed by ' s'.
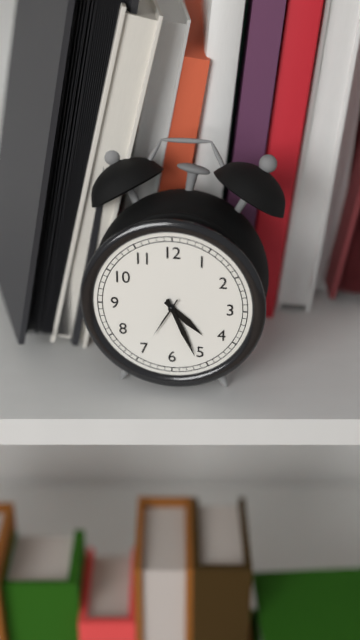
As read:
4 h 26 min
